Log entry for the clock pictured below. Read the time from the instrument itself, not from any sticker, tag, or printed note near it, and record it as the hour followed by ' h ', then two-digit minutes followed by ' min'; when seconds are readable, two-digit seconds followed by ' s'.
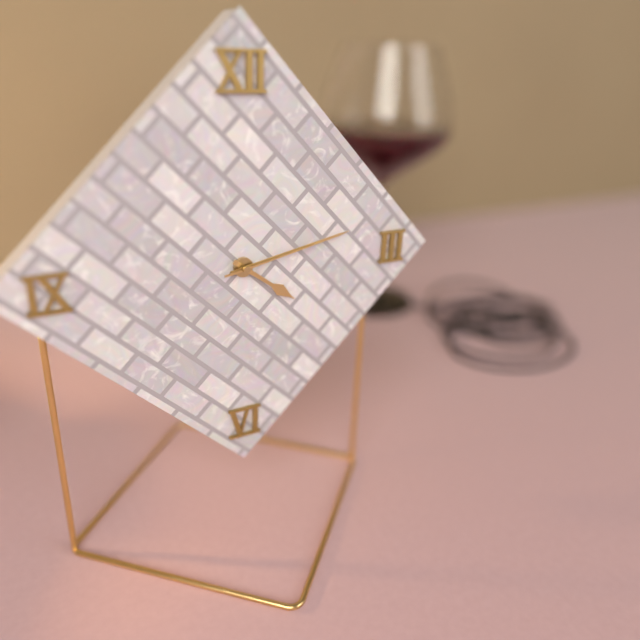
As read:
4 h 13 min 13 s
